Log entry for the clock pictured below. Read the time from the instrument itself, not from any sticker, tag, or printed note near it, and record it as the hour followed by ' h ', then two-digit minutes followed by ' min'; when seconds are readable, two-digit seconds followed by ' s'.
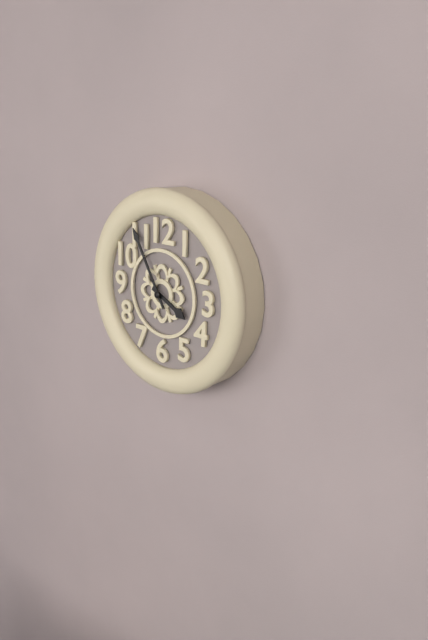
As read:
3 h 55 min
